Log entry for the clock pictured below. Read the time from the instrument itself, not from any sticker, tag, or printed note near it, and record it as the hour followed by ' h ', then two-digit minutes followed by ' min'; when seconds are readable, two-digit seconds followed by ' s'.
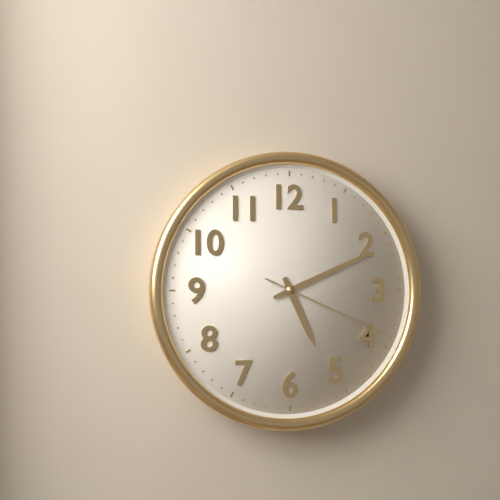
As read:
5 h 11 min 19 s
